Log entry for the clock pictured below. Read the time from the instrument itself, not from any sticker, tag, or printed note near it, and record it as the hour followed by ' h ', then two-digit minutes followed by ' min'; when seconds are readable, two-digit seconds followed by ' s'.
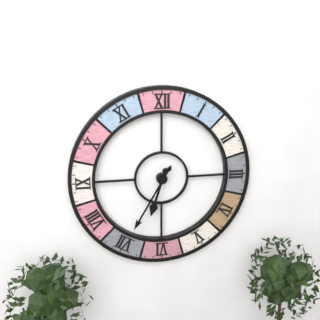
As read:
6 h 35 min
